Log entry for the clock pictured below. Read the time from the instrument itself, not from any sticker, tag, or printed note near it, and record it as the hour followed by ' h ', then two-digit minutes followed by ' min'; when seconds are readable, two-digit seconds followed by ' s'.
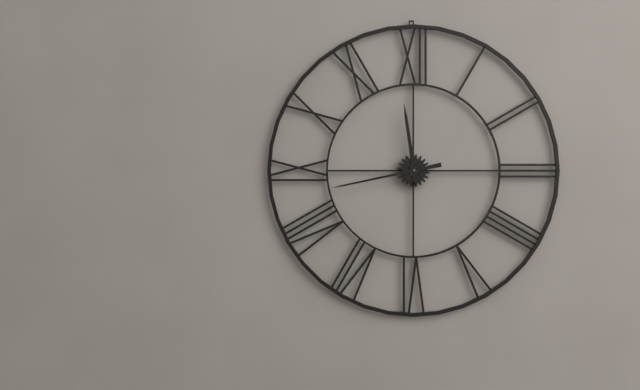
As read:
11 h 43 min
